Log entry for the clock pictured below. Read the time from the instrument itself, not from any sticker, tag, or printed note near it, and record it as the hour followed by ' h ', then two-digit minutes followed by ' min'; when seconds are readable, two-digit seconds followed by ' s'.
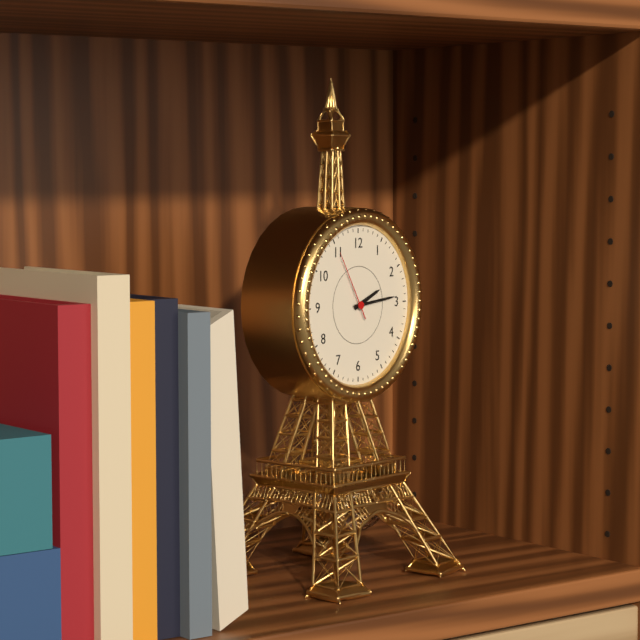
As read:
2 h 14 min 55 s
